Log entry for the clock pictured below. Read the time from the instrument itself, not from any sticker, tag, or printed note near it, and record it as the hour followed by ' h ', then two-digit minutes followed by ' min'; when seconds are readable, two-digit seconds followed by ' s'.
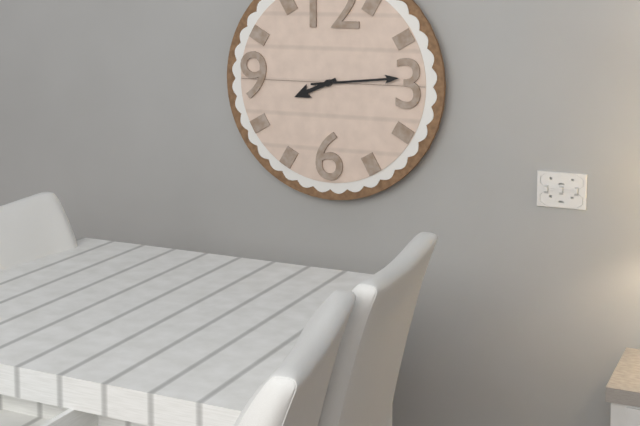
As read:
8 h 14 min
